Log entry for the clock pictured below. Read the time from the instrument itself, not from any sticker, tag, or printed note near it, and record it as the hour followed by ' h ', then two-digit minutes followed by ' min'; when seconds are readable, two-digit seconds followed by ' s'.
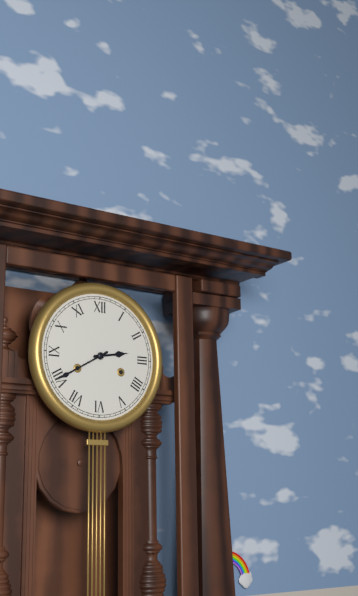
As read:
2 h 40 min
